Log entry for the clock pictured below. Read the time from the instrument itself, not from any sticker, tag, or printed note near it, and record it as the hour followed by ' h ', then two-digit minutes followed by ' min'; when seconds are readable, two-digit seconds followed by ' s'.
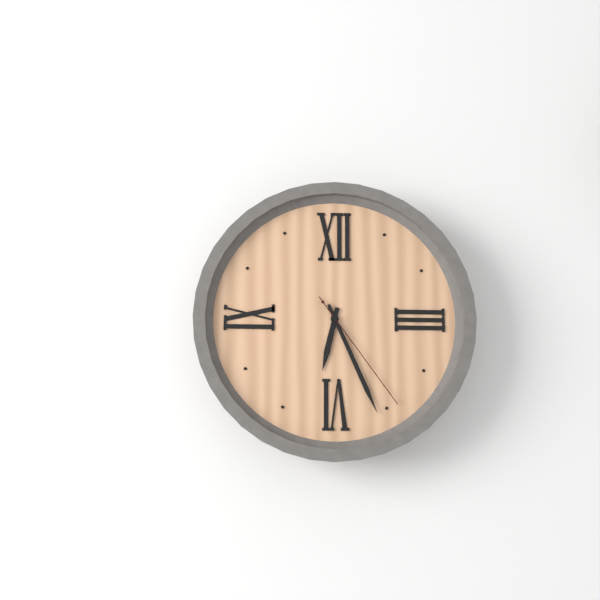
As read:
6 h 26 min 24 s
